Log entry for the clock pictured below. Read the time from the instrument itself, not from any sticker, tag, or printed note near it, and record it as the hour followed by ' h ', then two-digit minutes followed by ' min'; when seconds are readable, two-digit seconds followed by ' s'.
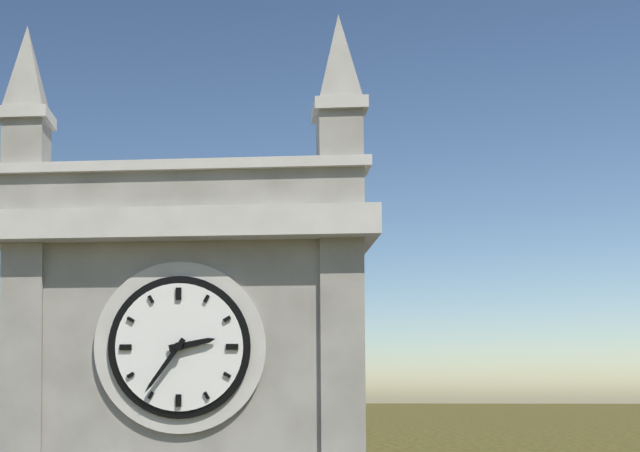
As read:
2 h 36 min
